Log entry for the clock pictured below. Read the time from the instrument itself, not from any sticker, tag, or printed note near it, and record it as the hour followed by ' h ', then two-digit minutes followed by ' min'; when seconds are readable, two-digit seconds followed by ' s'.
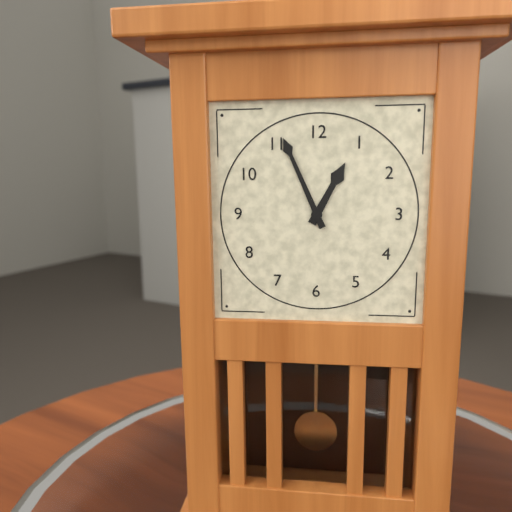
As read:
12 h 56 min
